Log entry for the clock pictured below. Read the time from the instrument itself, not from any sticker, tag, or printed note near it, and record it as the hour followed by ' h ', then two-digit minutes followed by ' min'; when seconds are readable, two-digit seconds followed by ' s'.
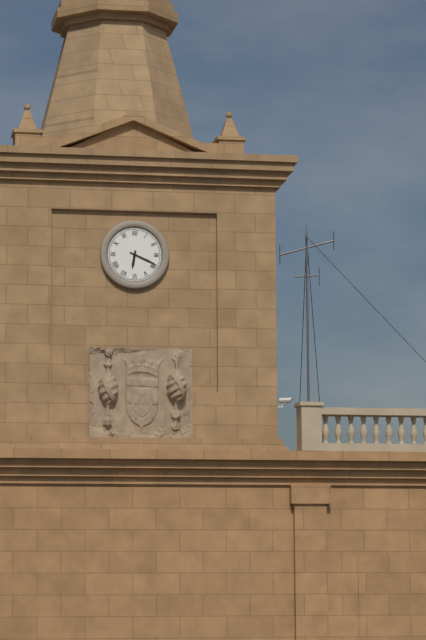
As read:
6 h 19 min
